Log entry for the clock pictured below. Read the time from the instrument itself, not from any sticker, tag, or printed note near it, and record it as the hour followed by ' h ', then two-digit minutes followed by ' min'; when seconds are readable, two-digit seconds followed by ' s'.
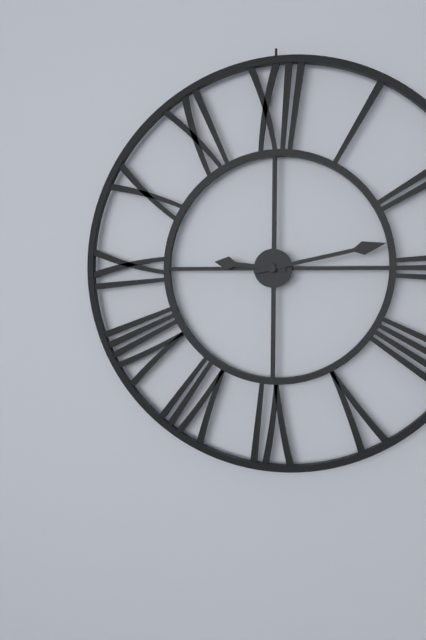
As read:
9 h 13 min
